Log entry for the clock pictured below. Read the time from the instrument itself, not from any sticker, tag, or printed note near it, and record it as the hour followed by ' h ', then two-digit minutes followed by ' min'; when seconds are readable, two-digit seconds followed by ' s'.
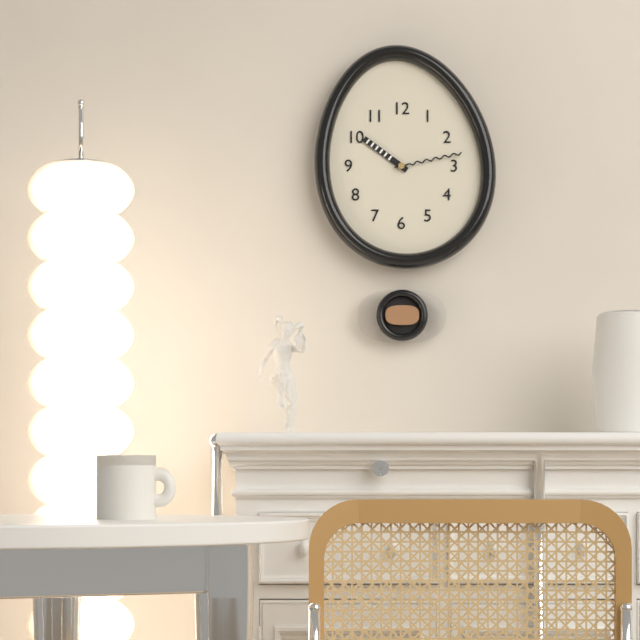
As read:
10 h 13 min
